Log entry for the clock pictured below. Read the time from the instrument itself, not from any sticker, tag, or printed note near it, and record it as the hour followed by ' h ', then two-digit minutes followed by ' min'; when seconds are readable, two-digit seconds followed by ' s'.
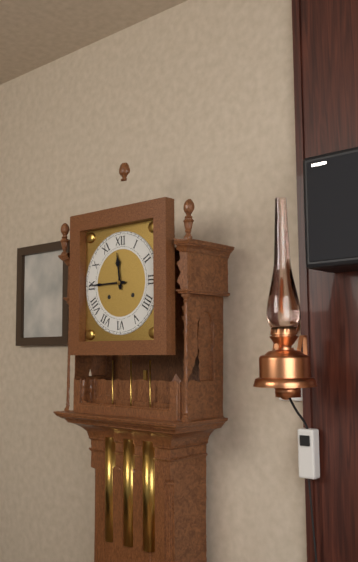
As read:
11 h 45 min
